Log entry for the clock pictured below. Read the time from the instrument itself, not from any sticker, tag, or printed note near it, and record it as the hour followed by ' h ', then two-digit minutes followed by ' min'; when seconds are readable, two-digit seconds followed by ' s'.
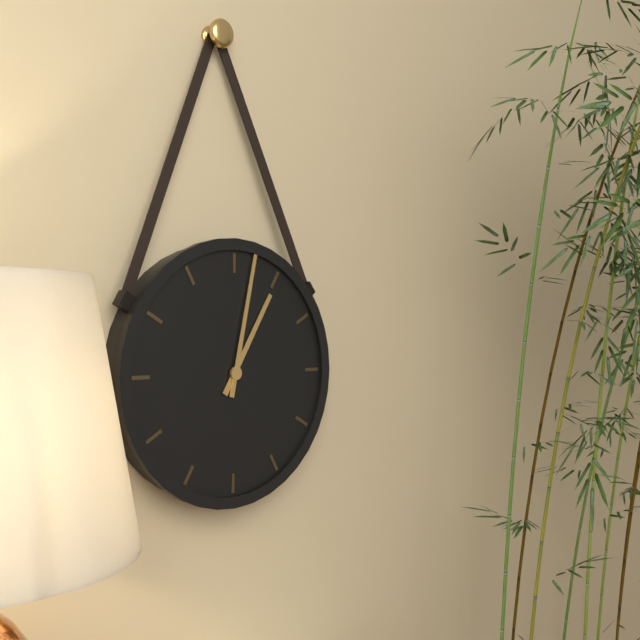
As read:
1 h 02 min
